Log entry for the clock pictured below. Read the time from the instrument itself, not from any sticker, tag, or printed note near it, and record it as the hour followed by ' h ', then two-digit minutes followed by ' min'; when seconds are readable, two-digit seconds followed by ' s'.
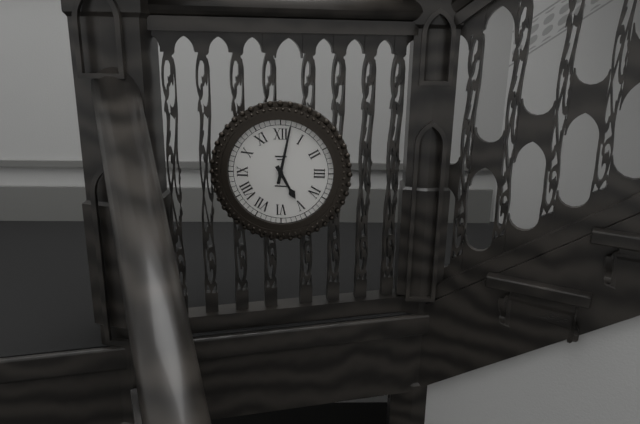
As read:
5 h 02 min
